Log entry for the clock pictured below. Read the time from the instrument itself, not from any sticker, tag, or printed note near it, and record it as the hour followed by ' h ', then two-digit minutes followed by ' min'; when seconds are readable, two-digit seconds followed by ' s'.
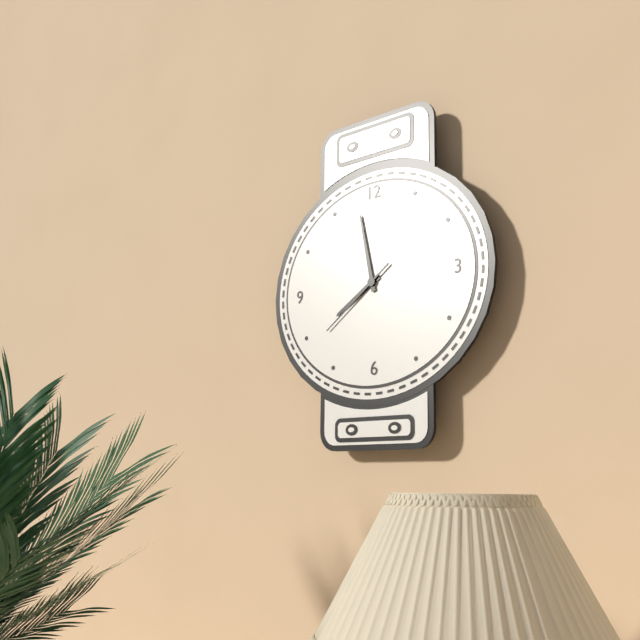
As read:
7 h 58 min 39 s
